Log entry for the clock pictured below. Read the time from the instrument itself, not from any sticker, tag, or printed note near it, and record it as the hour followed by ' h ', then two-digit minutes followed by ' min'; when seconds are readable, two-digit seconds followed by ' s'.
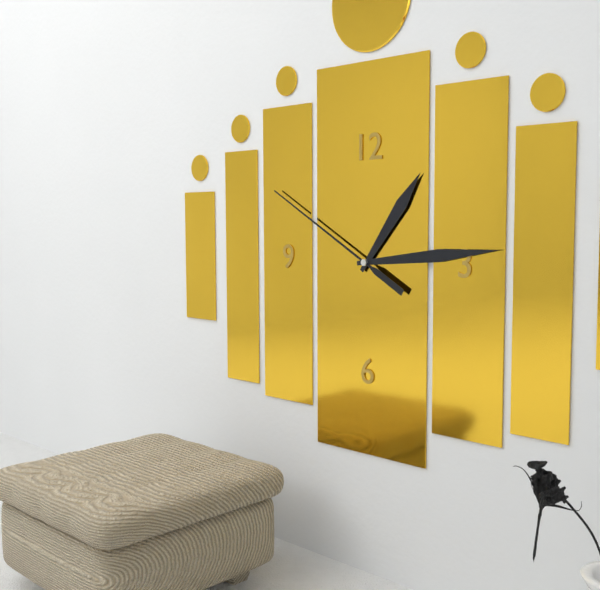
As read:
1 h 14 min 50 s
